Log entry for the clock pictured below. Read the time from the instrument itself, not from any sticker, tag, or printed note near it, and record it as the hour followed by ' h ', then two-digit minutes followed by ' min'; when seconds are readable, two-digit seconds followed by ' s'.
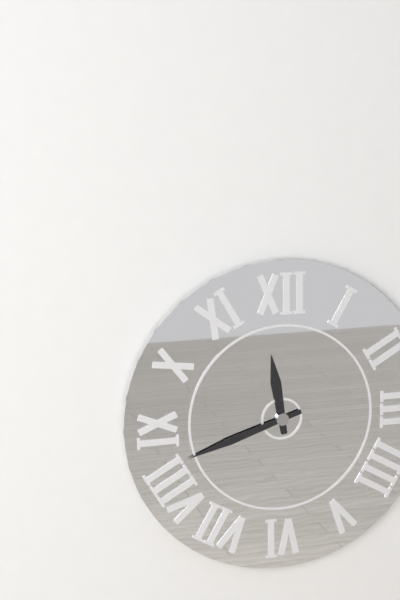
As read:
11 h 42 min
